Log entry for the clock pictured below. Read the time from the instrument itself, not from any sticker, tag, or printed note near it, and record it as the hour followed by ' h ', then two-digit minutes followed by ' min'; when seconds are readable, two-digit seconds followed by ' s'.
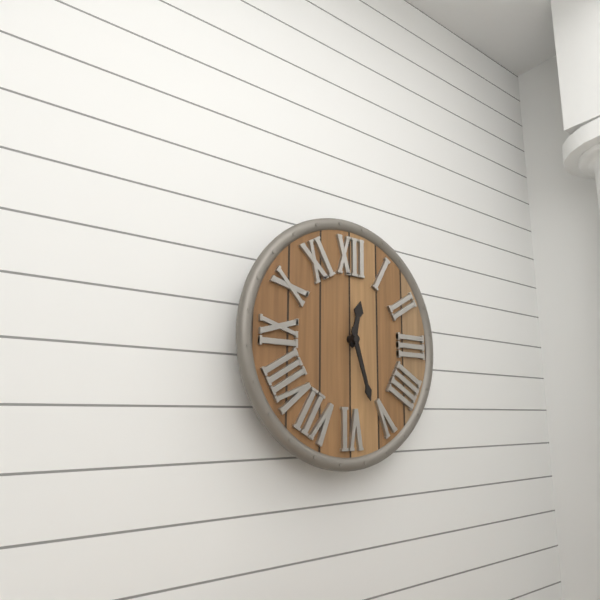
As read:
12 h 27 min
